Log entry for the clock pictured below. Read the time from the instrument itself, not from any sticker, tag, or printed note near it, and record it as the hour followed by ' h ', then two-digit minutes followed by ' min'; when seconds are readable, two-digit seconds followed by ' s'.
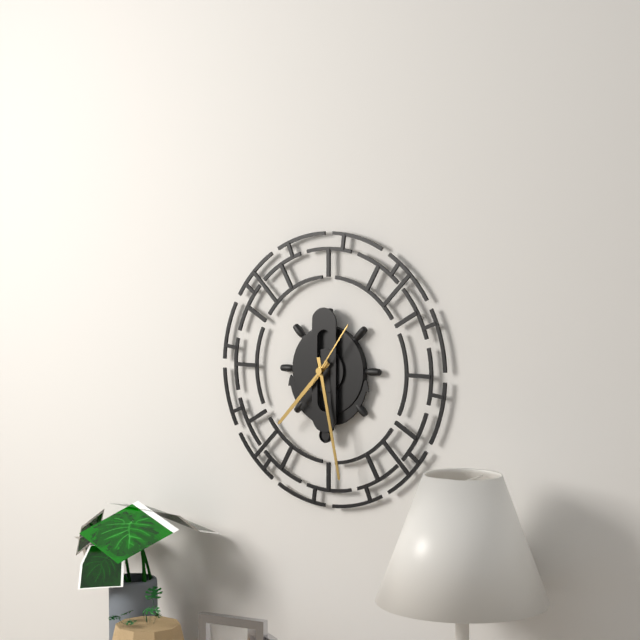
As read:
7 h 28 min 06 s
